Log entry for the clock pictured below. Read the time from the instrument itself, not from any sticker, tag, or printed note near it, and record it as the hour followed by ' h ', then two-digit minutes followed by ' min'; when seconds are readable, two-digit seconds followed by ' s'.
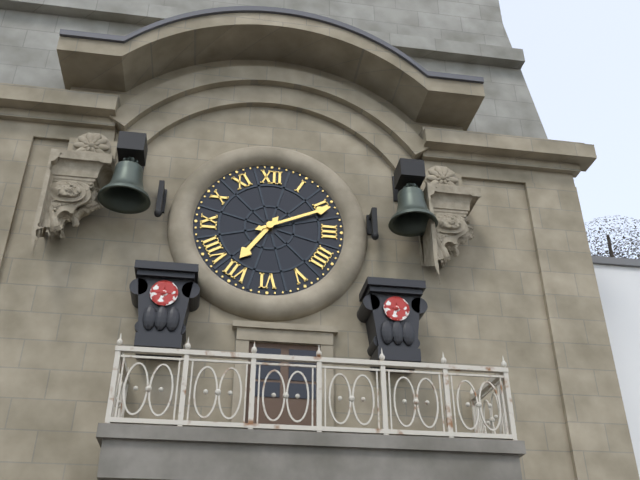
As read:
7 h 11 min
